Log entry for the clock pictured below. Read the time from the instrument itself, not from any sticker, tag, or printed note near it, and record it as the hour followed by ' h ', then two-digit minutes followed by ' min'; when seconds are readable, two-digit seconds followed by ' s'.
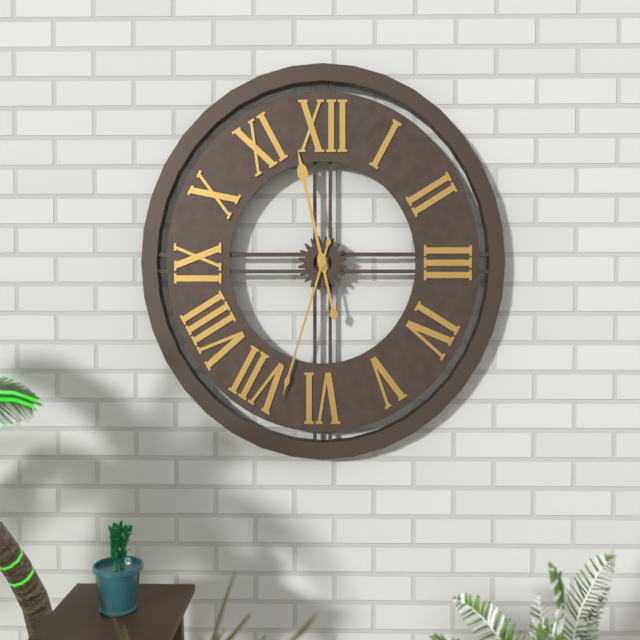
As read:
11 h 33 min
